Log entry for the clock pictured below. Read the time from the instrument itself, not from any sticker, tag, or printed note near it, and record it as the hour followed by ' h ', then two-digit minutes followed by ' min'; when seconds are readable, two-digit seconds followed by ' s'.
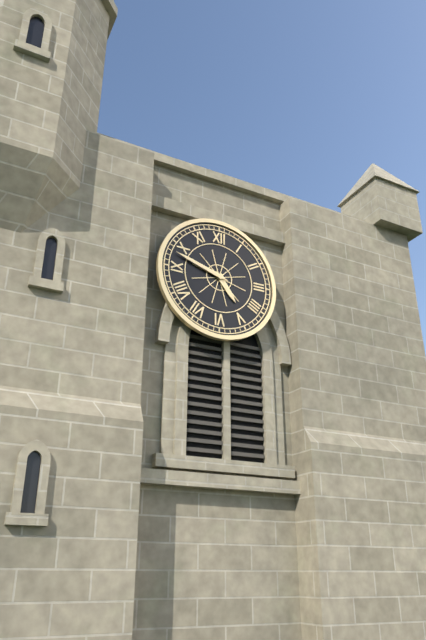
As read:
4 h 48 min
